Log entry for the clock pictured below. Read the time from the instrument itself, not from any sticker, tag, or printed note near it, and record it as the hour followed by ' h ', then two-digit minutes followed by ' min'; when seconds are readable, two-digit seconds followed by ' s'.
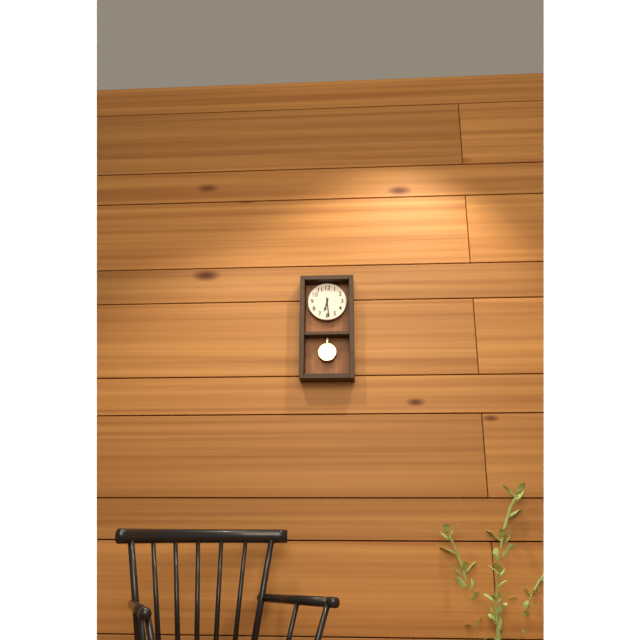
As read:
6 h 29 min
